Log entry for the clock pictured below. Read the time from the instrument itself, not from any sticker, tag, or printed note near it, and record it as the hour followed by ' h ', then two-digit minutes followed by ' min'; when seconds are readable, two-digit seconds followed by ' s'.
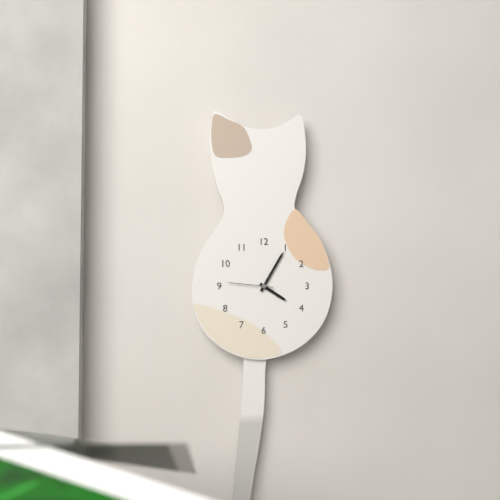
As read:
4 h 05 min
